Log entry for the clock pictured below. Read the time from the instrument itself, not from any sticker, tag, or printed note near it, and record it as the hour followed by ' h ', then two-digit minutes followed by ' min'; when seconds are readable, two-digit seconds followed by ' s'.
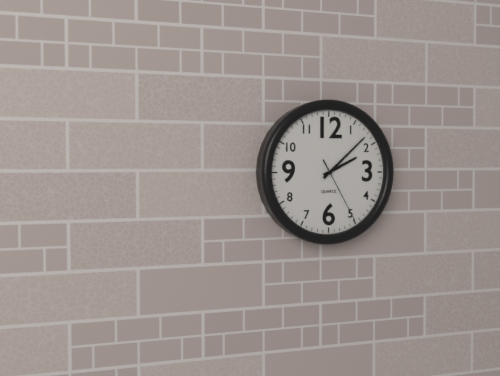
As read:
2 h 08 min 25 s
